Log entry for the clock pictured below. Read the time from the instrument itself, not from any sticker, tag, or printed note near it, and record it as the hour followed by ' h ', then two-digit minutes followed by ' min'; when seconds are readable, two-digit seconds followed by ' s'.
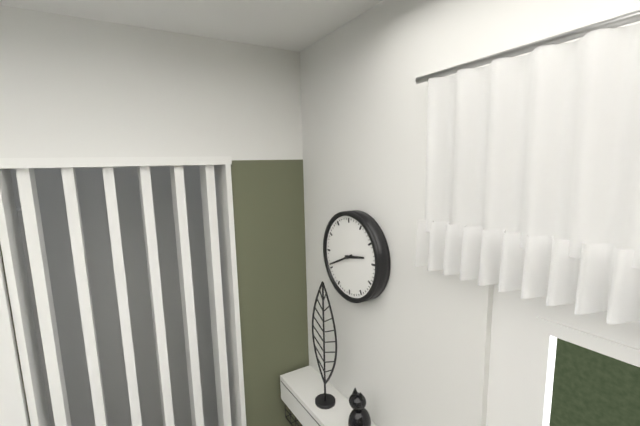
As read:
2 h 41 min
